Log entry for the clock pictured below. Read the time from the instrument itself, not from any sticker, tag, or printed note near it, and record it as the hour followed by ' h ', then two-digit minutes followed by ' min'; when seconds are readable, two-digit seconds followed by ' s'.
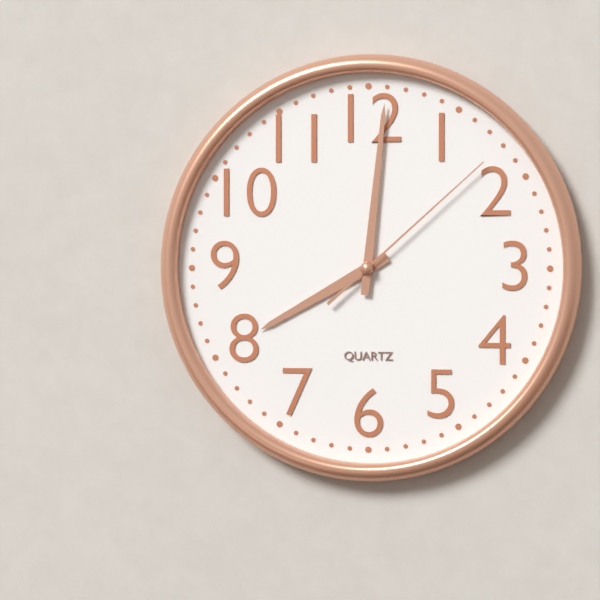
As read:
8 h 01 min 08 s
